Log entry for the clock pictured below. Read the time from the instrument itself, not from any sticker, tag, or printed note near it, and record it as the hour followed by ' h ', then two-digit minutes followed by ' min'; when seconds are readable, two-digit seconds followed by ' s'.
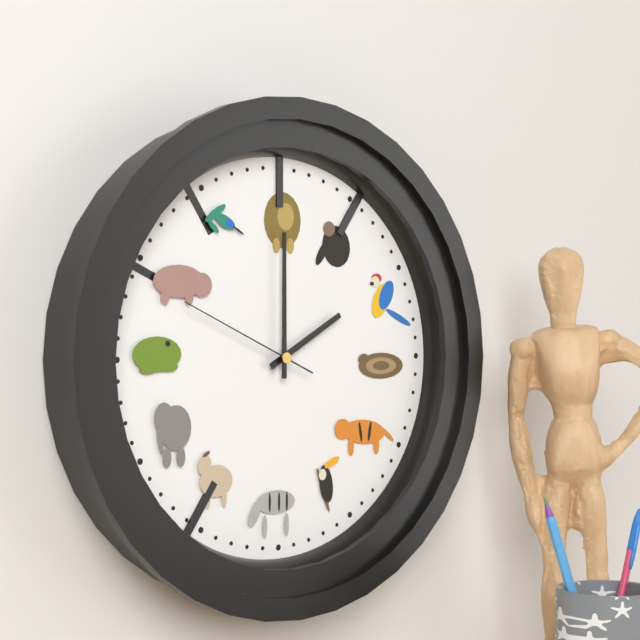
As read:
2 h 00 min 49 s
